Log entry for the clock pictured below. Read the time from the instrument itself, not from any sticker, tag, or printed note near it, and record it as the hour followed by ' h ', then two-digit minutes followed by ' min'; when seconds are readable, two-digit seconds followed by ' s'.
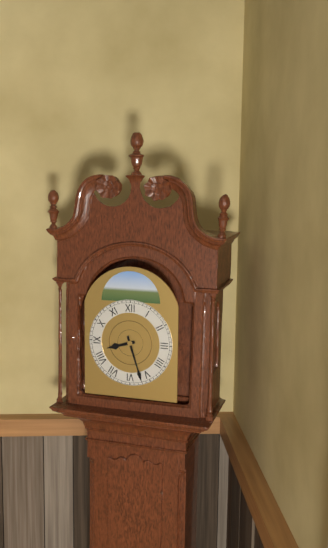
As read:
8 h 27 min
